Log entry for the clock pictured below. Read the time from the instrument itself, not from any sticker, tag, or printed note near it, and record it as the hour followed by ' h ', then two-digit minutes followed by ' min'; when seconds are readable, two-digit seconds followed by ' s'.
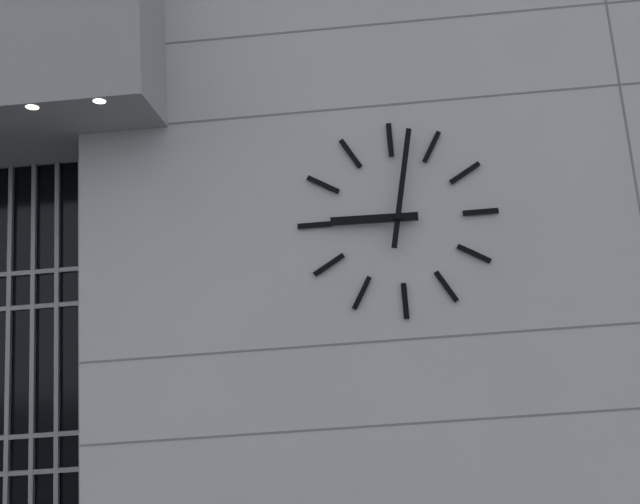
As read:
9 h 02 min
